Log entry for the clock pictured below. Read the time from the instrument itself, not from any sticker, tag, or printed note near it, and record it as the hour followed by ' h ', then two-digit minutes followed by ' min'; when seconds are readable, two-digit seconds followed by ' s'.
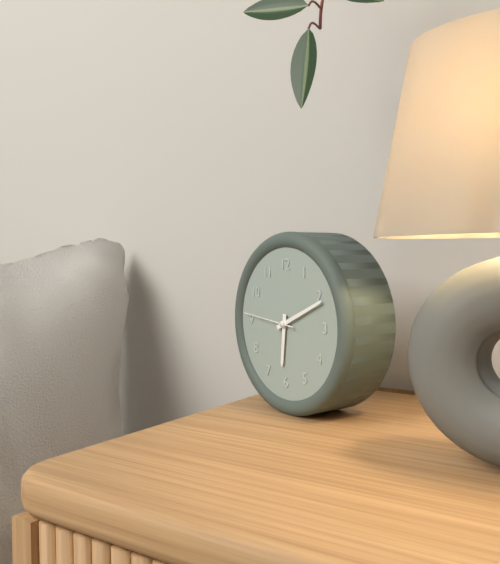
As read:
6 h 11 min 46 s
